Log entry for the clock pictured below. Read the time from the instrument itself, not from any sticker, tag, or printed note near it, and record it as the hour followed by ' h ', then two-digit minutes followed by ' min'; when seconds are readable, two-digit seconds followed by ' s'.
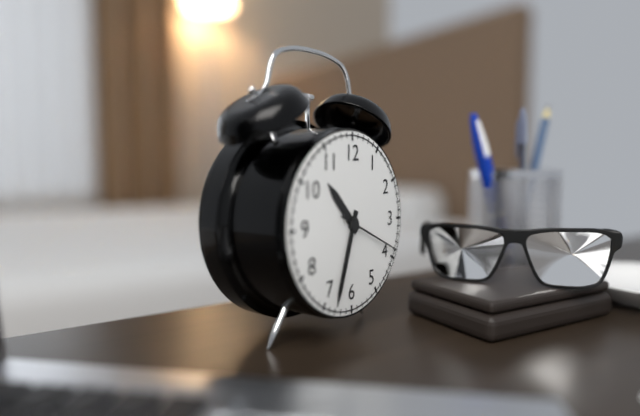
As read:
10 h 33 min 19 s
